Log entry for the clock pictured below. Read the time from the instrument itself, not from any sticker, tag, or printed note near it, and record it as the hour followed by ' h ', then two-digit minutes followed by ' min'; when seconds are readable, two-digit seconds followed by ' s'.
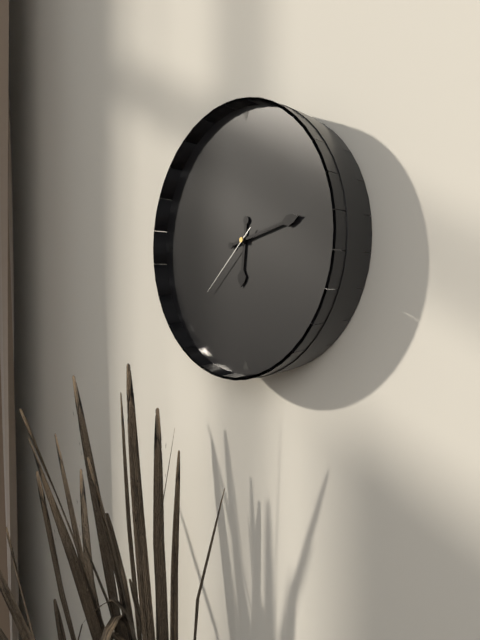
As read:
6 h 13 min 38 s
